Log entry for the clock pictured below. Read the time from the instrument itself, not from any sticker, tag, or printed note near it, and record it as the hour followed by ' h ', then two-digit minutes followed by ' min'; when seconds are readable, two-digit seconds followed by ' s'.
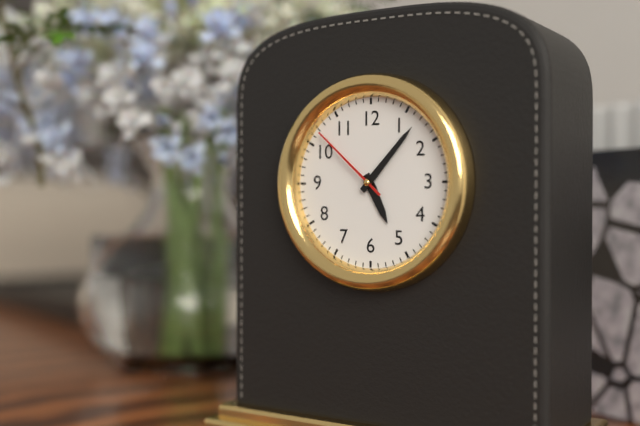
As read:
5 h 07 min 52 s
